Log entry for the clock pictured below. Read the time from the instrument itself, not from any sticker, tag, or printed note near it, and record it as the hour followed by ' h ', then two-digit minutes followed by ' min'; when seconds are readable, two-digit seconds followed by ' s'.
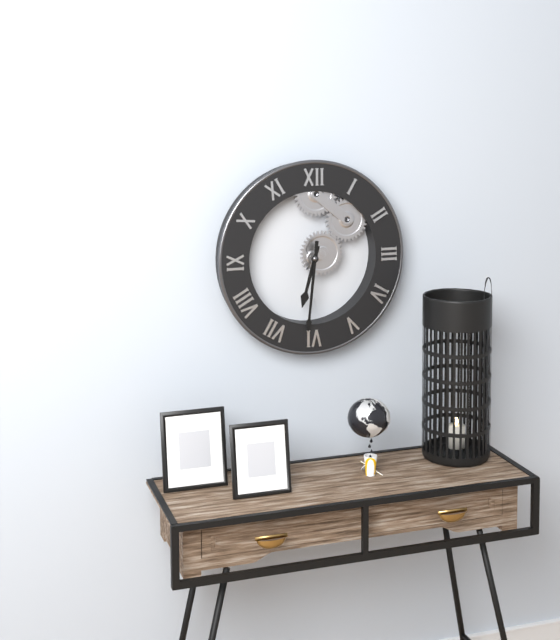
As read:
6 h 31 min
